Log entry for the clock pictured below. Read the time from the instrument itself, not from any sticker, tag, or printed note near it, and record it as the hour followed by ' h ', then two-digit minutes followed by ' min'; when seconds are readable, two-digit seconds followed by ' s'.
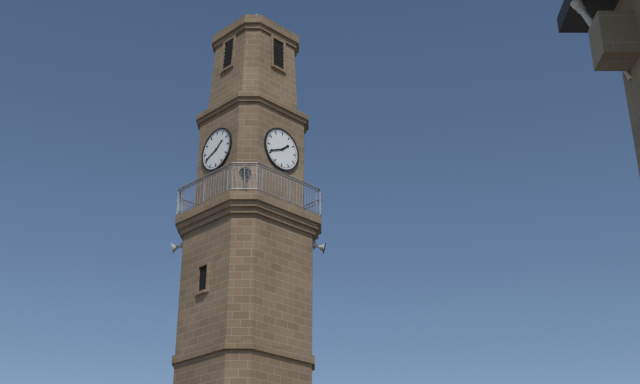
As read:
1 h 41 min
